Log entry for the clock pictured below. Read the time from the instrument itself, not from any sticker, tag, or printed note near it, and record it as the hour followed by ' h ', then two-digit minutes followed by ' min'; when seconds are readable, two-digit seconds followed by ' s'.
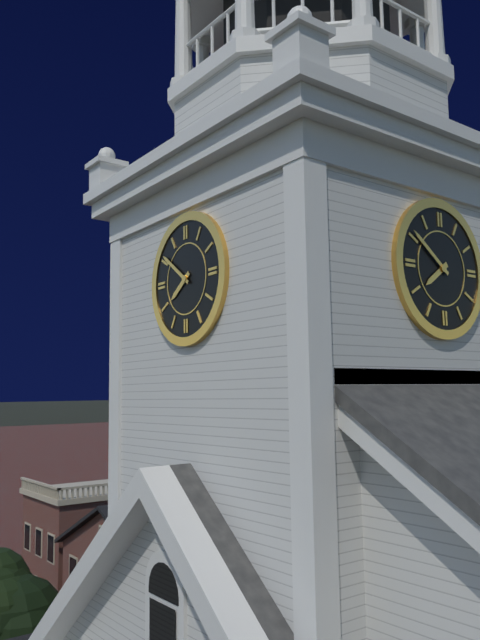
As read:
7 h 51 min
